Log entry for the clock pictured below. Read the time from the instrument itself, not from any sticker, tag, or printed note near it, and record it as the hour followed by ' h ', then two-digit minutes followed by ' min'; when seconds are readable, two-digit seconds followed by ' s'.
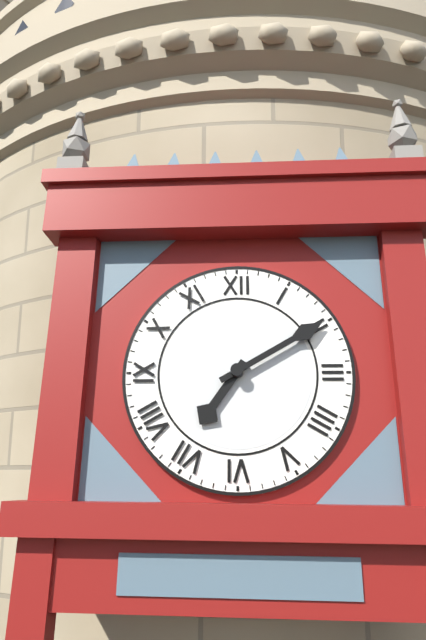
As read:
7 h 10 min
